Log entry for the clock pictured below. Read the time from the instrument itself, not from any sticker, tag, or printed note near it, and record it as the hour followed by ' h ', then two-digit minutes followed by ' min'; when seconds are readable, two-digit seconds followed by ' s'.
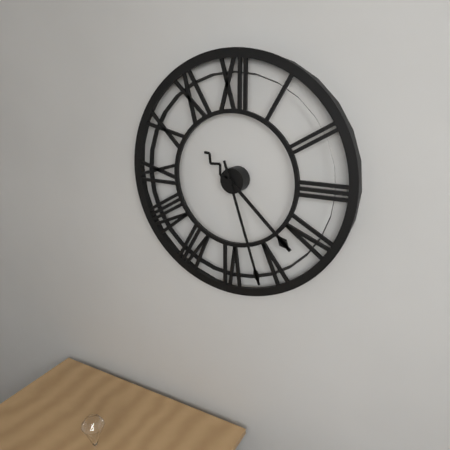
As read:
4 h 27 min
